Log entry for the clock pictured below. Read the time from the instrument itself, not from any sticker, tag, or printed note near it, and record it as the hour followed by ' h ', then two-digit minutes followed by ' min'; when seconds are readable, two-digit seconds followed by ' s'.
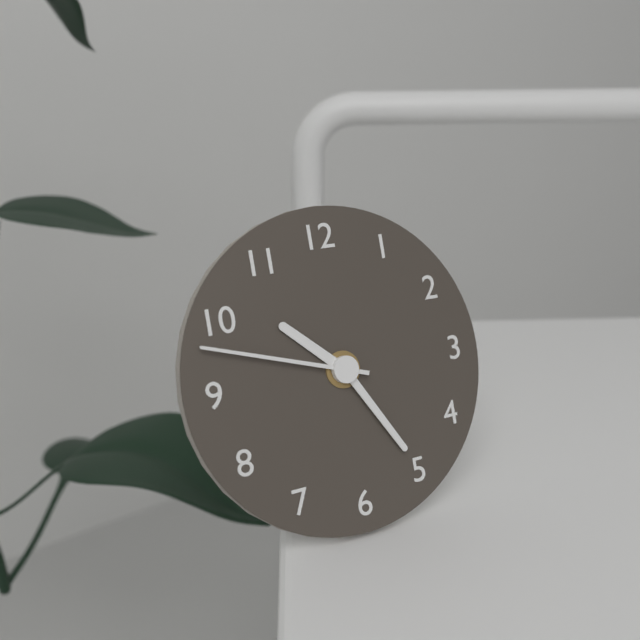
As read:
10 h 25 min 48 s
